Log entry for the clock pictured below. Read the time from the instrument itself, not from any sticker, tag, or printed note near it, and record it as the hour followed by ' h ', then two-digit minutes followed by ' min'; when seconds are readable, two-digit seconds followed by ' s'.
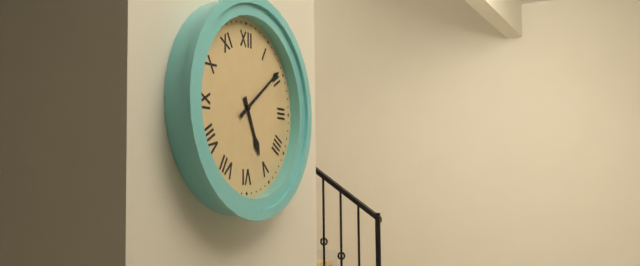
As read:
5 h 09 min
